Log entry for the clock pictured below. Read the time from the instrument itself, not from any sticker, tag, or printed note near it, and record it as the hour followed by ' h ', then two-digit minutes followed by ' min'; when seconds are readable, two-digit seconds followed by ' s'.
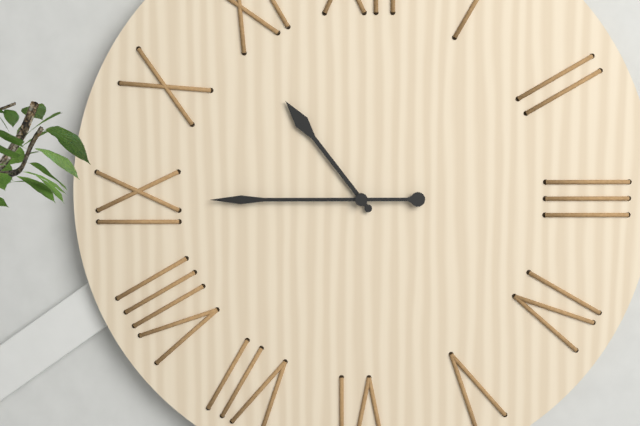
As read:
10 h 45 min
